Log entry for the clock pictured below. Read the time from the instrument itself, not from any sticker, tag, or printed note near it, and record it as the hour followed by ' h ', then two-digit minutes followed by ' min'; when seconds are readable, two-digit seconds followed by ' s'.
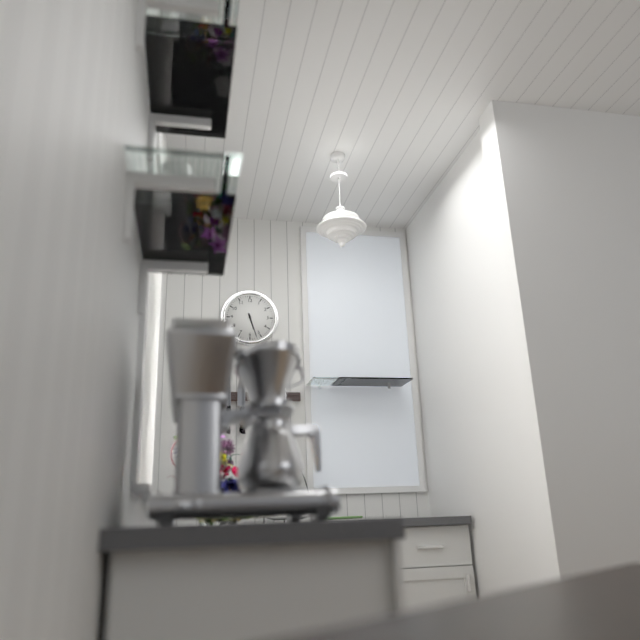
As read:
5 h 27 min
